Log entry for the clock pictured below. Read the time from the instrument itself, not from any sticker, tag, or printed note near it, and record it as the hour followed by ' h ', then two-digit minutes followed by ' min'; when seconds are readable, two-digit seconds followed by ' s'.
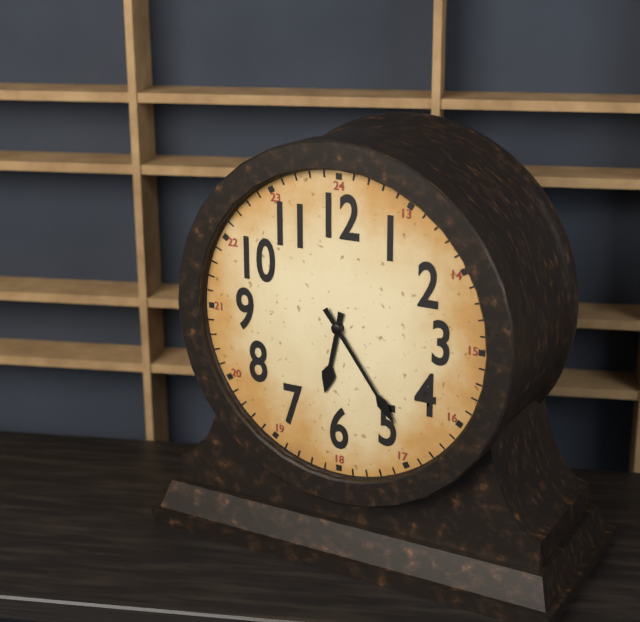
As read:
6 h 24 min
